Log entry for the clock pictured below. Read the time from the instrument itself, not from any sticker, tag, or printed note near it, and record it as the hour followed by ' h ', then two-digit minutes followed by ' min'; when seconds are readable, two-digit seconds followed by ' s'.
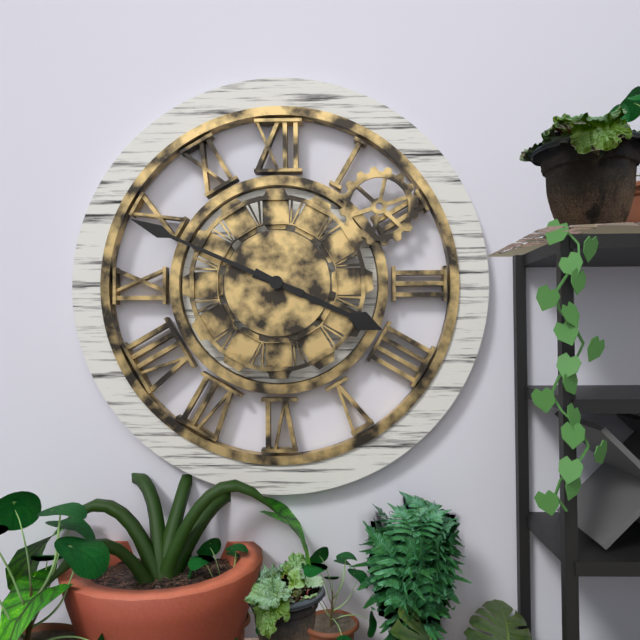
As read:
3 h 49 min
